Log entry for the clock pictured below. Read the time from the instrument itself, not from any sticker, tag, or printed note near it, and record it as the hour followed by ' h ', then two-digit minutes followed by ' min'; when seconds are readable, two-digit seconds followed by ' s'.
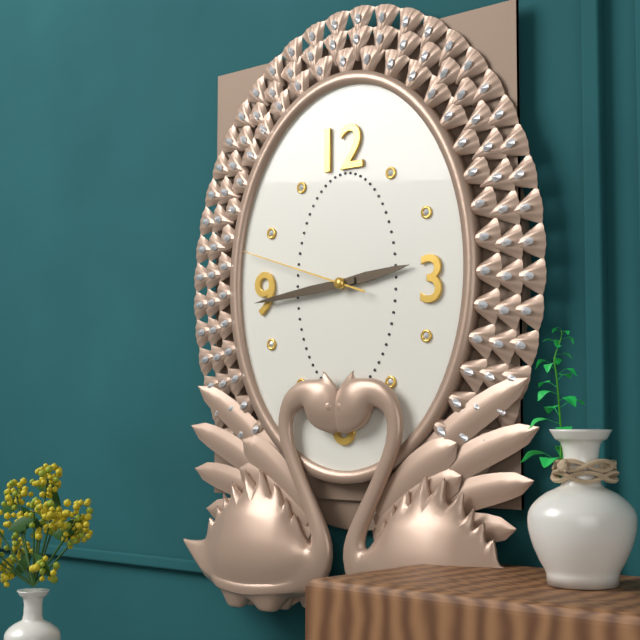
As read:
2 h 44 min 48 s
